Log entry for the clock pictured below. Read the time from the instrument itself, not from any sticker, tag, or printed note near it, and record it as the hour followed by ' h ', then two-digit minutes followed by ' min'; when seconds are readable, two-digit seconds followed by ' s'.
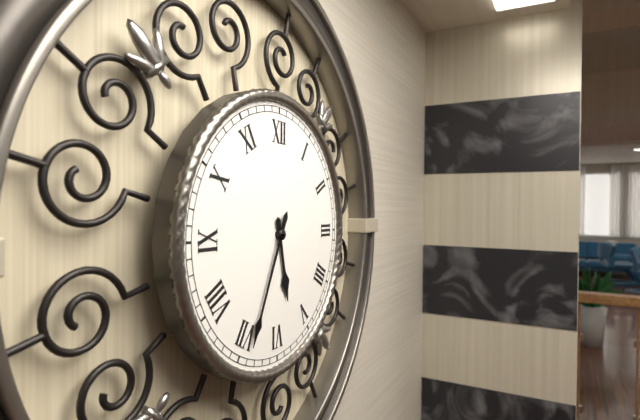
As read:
5 h 34 min
